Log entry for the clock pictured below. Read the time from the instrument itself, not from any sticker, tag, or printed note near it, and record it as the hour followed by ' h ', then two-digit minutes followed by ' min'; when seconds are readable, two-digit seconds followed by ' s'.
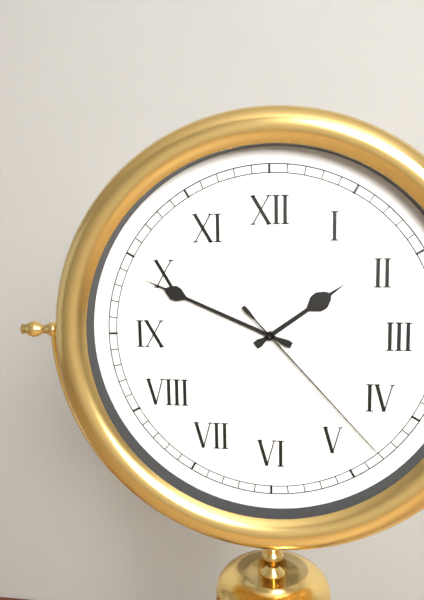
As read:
1 h 49 min 23 s
